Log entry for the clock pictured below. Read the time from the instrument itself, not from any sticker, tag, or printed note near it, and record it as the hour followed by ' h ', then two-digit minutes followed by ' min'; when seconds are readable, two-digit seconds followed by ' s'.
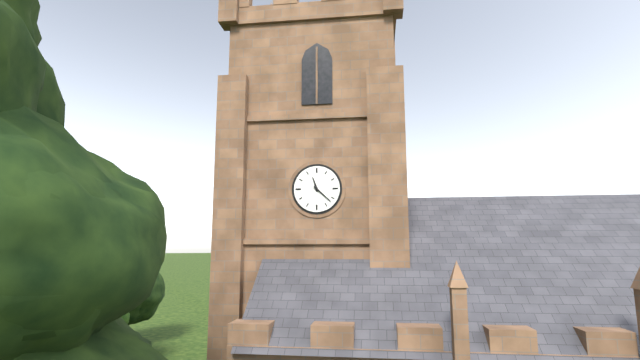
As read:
11 h 22 min
